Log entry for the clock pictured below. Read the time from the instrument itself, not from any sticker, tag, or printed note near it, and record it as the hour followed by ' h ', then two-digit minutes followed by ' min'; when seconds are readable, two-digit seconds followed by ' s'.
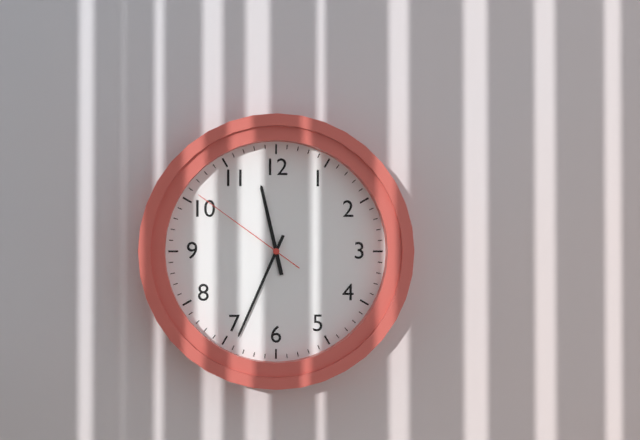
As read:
11 h 34 min 51 s
